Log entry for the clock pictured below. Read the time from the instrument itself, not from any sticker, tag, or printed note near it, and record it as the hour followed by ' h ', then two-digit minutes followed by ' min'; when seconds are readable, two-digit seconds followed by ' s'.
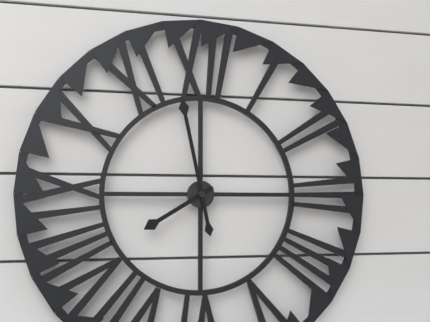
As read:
7 h 58 min
